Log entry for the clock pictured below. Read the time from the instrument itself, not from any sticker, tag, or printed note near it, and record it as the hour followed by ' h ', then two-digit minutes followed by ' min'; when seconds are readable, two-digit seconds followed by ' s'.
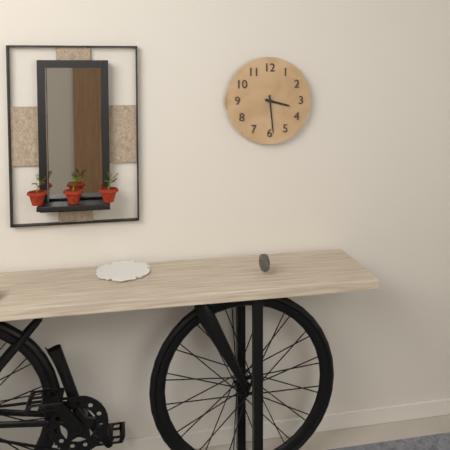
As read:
3 h 29 min
